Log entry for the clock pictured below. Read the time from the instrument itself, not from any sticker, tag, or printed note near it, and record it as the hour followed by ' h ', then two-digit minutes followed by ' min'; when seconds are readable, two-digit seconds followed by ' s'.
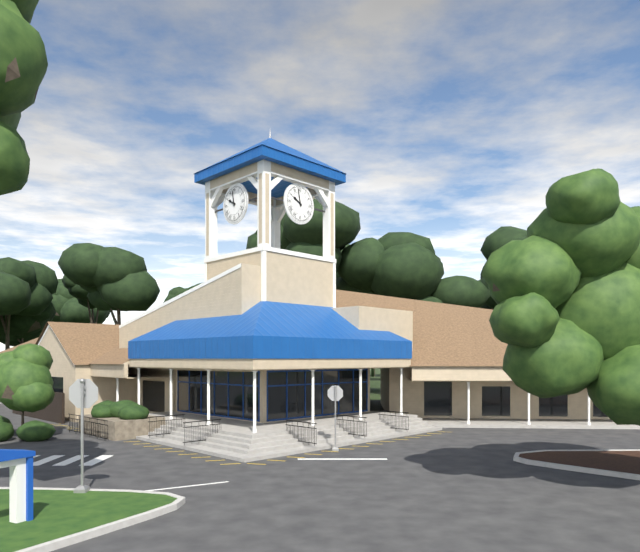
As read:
9 h 58 min
